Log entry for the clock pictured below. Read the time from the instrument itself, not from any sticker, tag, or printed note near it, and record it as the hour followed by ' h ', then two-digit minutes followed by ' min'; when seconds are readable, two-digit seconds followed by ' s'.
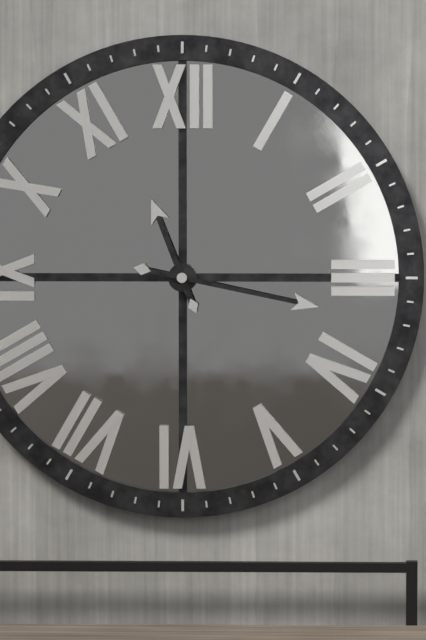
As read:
11 h 17 min
